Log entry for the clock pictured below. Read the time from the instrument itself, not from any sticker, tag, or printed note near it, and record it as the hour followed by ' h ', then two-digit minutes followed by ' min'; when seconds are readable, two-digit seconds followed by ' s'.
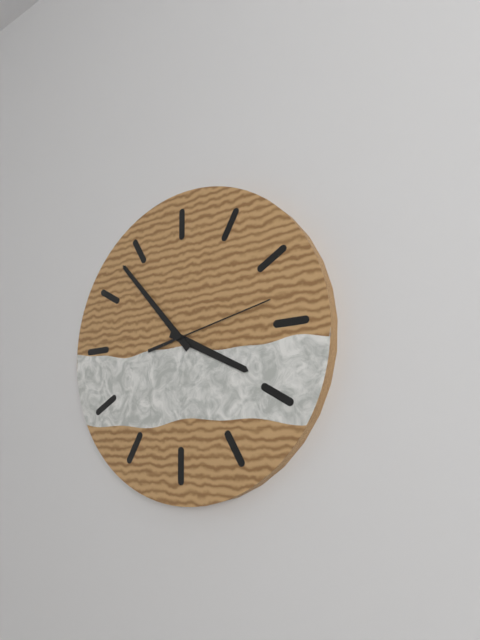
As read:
3 h 53 min 13 s
